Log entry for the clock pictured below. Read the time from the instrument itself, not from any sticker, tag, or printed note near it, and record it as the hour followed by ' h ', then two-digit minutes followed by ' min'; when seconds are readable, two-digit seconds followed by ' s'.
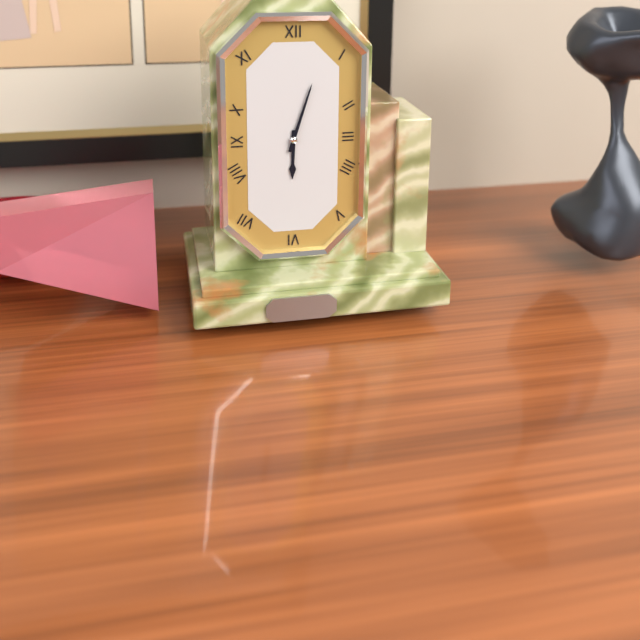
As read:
6 h 03 min
